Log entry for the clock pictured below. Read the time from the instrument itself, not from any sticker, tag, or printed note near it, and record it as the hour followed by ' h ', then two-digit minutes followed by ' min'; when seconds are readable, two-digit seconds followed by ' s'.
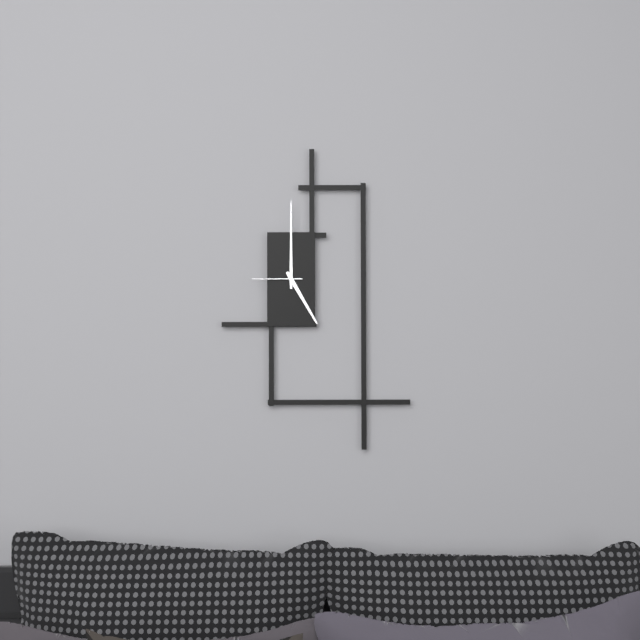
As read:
5 h 00 min 45 s
